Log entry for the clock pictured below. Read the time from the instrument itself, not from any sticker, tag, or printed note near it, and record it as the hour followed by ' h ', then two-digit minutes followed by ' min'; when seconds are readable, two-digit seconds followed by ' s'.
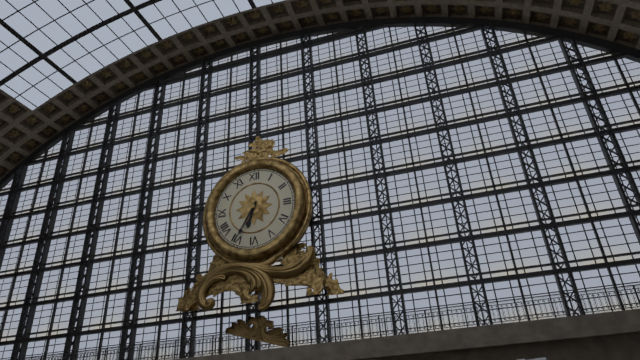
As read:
6 h 35 min
